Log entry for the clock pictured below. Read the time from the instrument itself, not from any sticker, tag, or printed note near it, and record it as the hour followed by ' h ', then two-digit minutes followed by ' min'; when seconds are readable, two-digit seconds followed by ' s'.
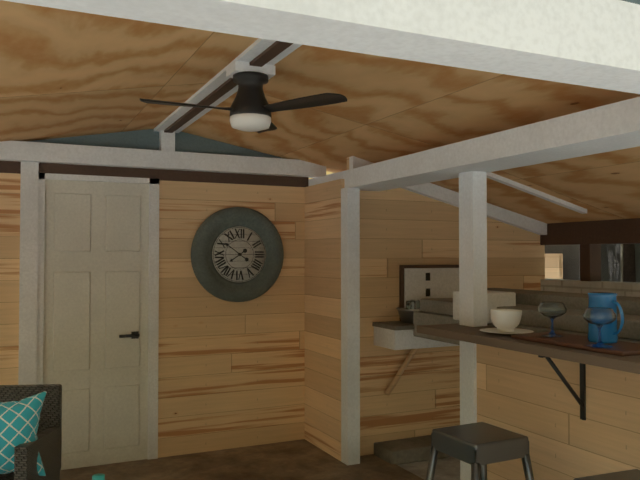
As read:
7 h 51 min
